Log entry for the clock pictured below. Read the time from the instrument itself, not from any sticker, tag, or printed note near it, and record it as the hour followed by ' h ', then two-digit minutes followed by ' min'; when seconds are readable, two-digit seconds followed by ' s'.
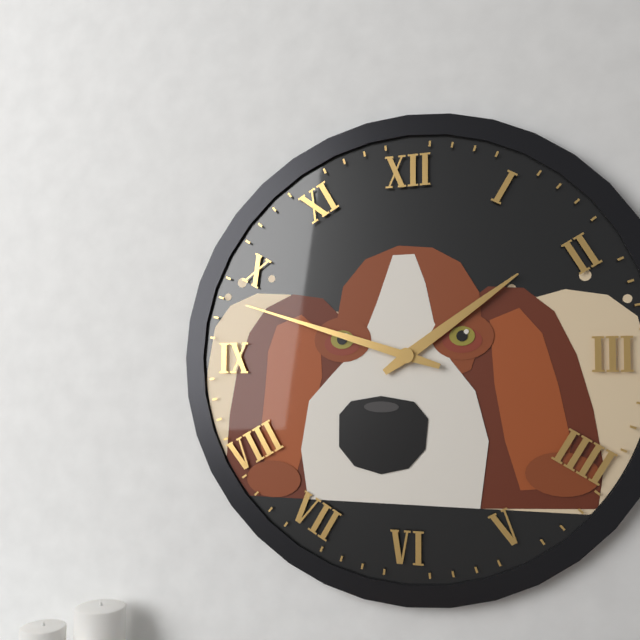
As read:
1 h 48 min
